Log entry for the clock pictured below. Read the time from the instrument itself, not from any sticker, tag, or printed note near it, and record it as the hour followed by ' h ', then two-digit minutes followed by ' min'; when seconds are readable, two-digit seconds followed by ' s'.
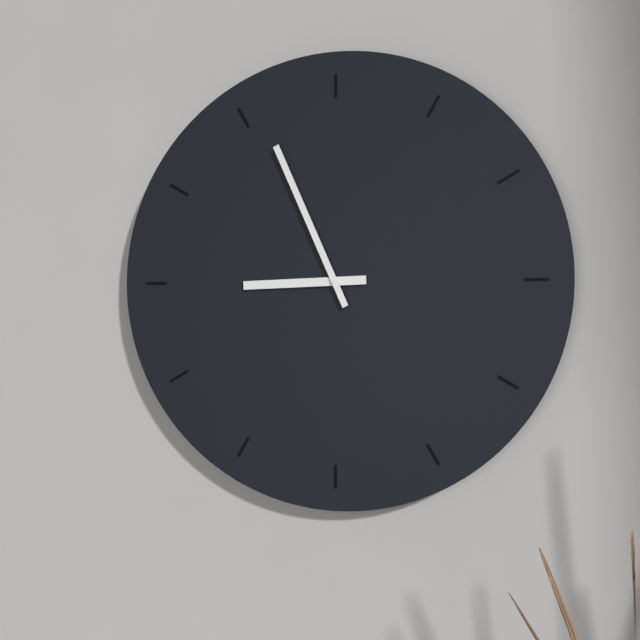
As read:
8 h 56 min
